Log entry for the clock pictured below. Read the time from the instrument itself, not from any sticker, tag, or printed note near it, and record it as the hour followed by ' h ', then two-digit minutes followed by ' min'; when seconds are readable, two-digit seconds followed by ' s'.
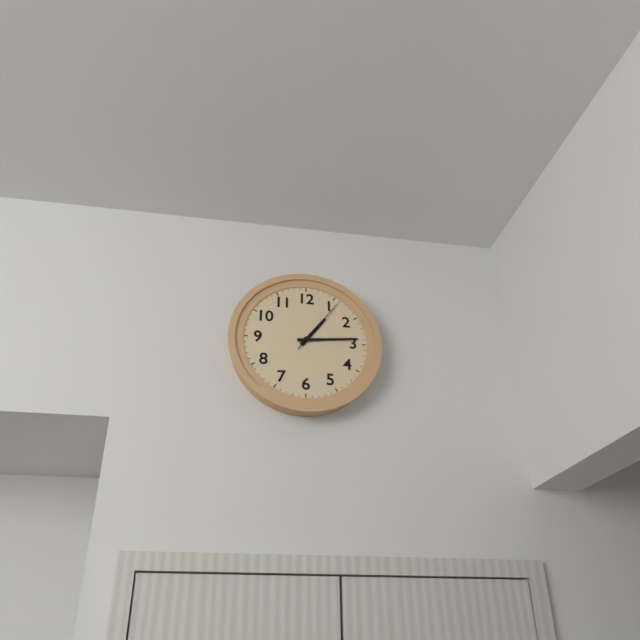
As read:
1 h 14 min 06 s
